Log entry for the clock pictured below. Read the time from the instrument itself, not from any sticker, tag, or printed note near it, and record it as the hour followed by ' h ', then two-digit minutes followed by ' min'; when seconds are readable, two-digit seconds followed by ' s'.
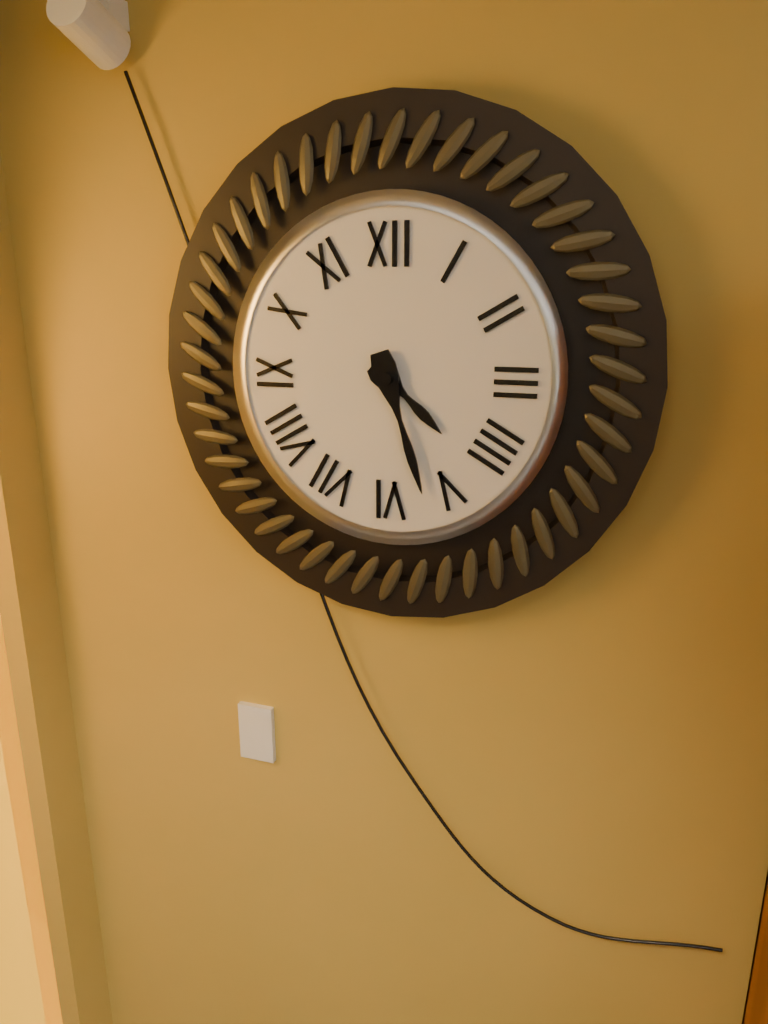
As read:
4 h 27 min
